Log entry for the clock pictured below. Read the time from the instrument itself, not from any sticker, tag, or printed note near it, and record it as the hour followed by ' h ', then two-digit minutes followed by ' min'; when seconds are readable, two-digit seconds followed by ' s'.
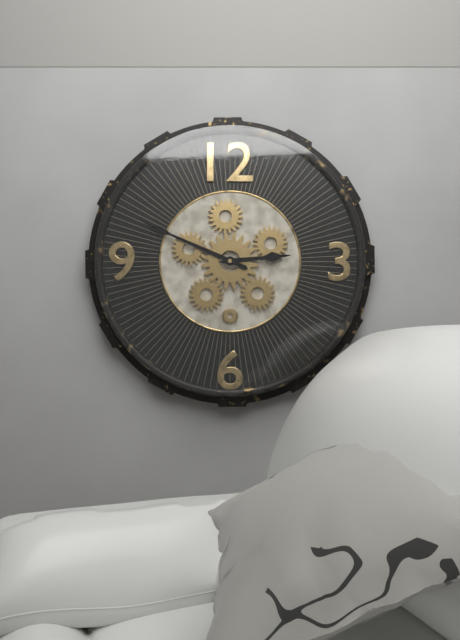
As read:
2 h 49 min
